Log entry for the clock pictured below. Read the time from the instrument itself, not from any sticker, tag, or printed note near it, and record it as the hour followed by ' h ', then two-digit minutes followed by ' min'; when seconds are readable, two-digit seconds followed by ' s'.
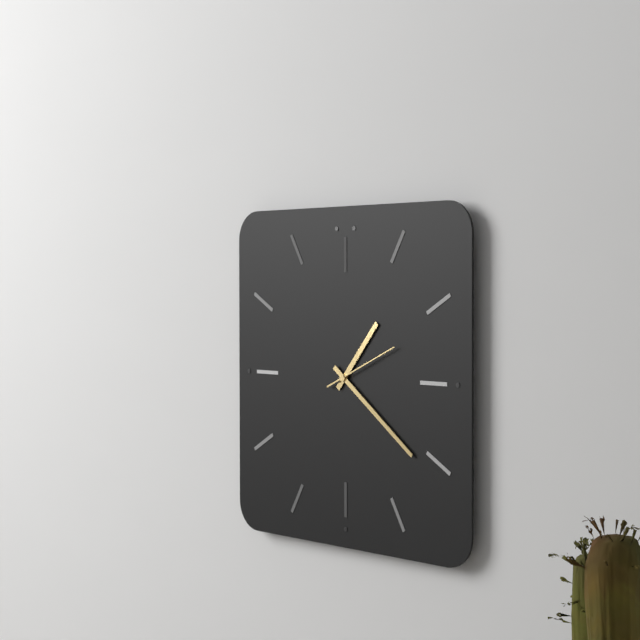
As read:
1 h 21 min 11 s
